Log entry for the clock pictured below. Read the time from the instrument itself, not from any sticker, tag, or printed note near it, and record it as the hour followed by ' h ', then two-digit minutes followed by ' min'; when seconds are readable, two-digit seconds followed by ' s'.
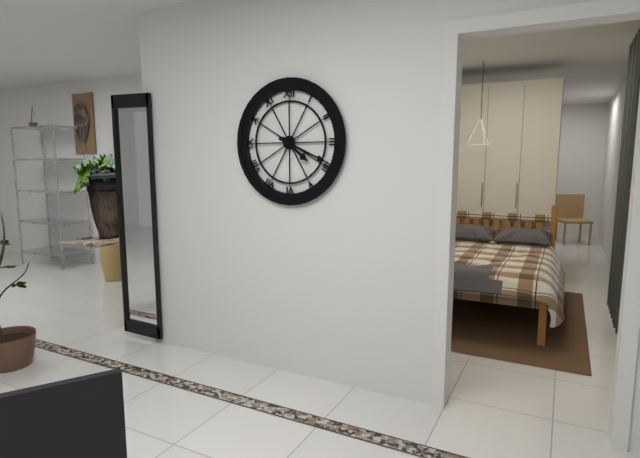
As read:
4 h 19 min
